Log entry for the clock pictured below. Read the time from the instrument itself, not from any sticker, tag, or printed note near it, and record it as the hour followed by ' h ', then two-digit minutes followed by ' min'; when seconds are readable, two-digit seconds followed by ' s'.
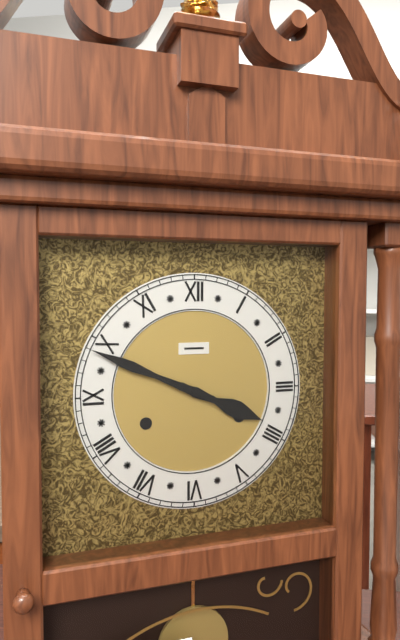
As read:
3 h 49 min
